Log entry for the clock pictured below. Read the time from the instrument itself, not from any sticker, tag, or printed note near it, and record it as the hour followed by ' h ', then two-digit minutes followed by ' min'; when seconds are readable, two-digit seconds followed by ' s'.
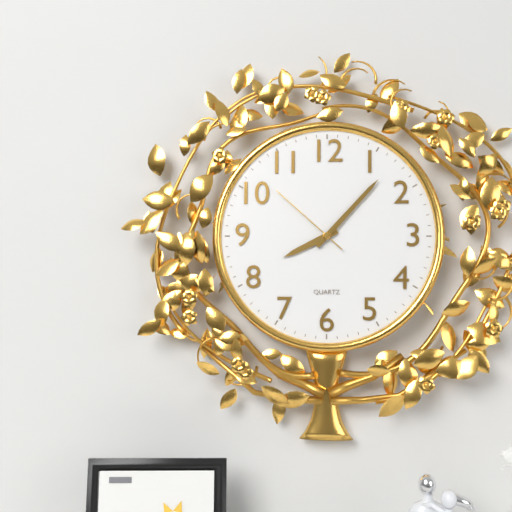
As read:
8 h 07 min 52 s
